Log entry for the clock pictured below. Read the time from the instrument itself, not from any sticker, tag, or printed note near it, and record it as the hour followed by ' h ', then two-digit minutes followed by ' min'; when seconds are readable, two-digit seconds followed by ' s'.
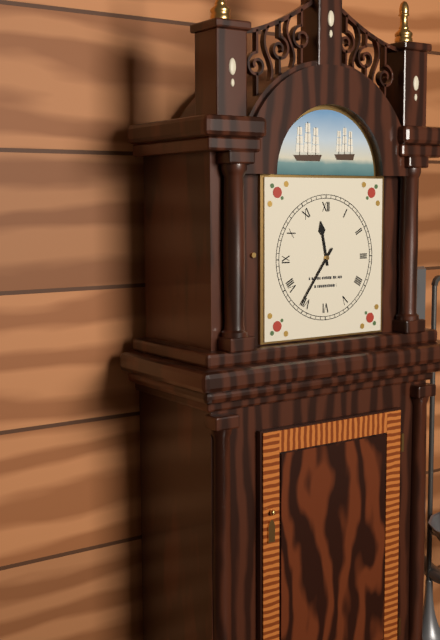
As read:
11 h 36 min
